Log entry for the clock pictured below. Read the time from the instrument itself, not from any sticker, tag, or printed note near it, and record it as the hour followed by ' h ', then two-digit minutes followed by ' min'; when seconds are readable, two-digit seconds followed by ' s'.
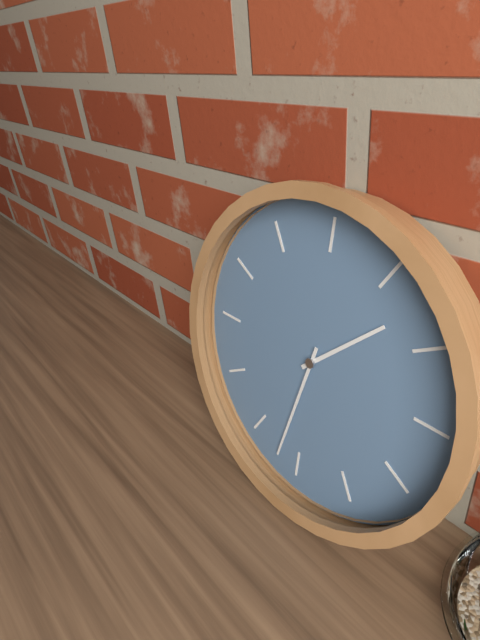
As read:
1 h 32 min
